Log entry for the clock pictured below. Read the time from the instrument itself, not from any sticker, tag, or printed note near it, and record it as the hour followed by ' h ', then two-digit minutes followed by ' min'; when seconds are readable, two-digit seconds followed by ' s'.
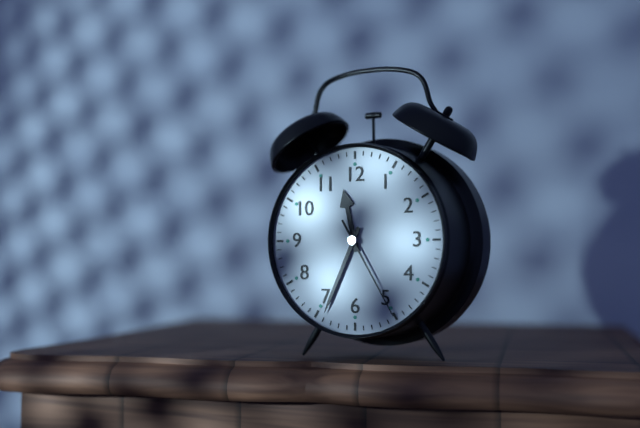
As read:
11 h 34 min 25 s
